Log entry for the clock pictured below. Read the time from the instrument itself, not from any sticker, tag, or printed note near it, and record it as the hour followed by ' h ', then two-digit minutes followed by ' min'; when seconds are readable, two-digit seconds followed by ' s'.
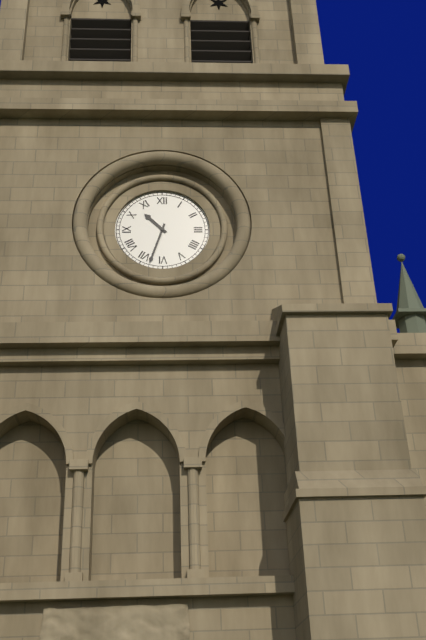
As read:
10 h 33 min
